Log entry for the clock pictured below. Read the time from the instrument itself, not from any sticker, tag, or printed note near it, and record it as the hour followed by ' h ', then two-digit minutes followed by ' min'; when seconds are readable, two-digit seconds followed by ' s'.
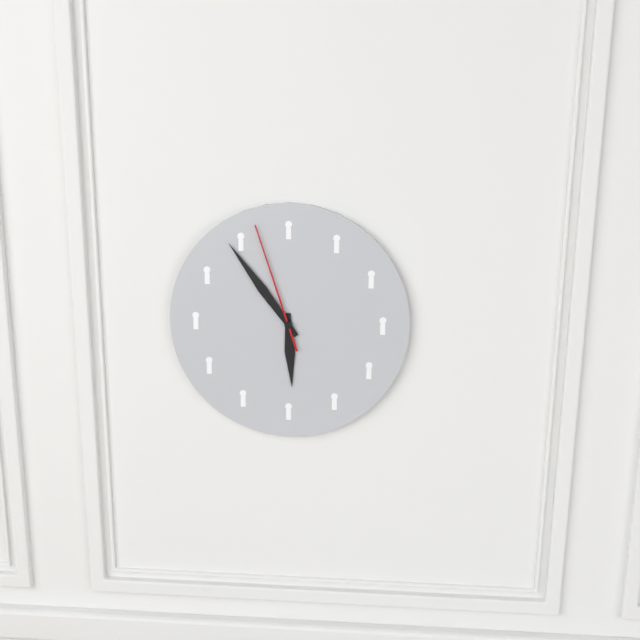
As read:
5 h 54 min 57 s
